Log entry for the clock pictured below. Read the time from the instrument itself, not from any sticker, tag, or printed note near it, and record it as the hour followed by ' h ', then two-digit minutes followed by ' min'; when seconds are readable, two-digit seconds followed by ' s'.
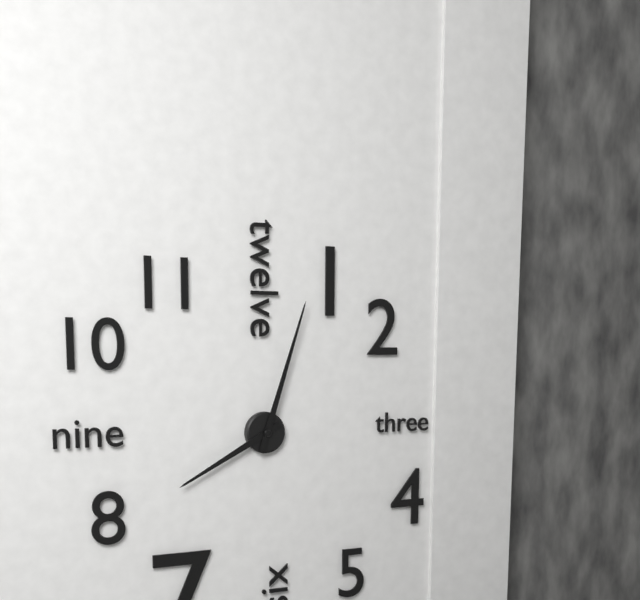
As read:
8 h 03 min
